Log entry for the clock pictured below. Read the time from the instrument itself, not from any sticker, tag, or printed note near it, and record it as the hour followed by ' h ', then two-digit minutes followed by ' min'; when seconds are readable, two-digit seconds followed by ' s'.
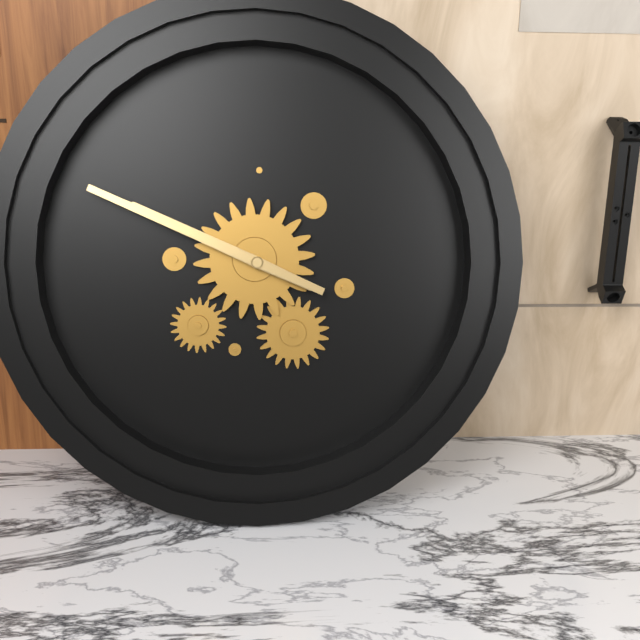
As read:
9 h 49 min
